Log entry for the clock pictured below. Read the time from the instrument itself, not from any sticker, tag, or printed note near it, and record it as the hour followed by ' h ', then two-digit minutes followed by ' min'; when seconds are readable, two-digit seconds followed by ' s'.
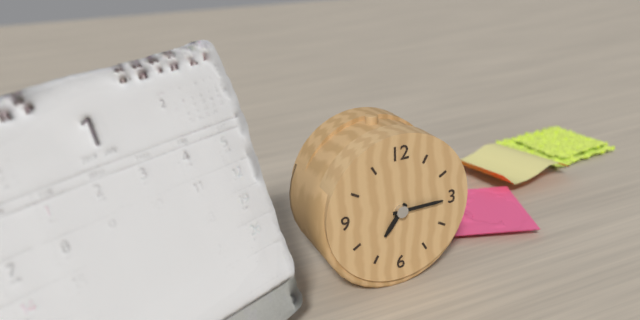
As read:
7 h 15 min
